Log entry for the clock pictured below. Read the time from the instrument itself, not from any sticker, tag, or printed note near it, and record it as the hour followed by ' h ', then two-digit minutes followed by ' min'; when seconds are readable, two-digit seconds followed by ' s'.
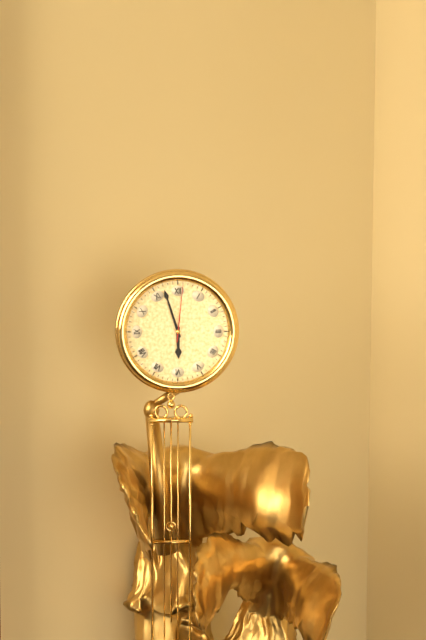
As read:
5 h 57 min 01 s
